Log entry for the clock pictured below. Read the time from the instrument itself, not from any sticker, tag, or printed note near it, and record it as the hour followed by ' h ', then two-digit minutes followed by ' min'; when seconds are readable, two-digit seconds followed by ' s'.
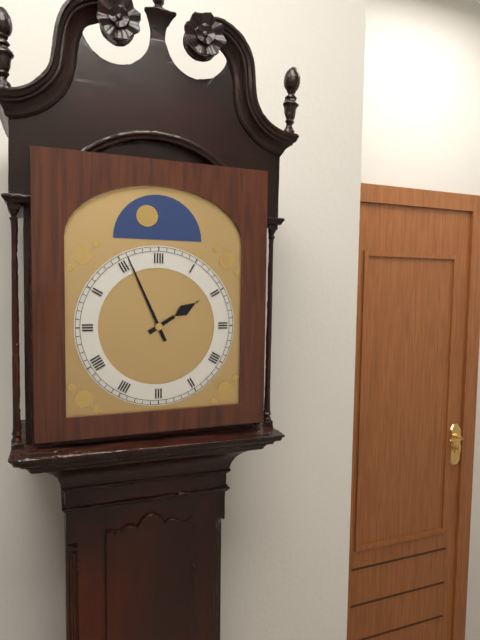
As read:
1 h 56 min
